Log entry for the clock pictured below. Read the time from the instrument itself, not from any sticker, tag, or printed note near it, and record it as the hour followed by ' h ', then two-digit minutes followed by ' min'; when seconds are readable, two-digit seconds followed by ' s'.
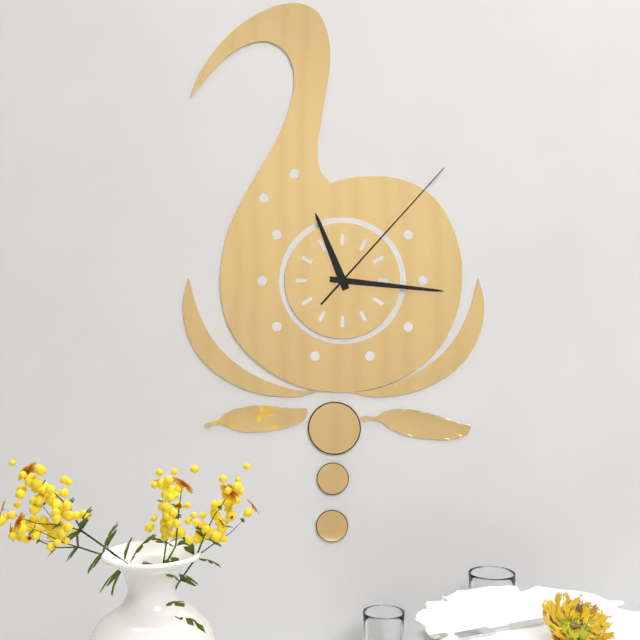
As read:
11 h 16 min 07 s
